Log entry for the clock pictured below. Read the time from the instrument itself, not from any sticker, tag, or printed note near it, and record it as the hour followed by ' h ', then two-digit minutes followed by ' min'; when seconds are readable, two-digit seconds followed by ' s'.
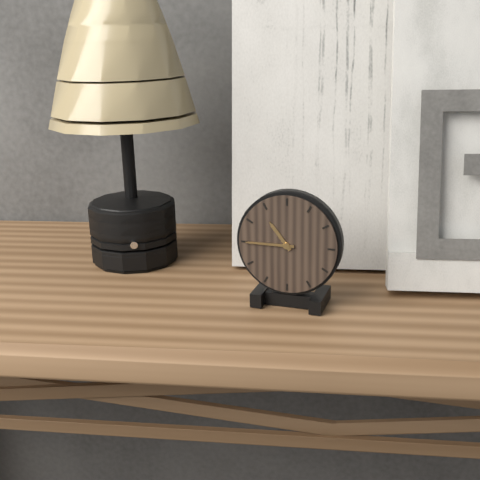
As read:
10 h 45 min
